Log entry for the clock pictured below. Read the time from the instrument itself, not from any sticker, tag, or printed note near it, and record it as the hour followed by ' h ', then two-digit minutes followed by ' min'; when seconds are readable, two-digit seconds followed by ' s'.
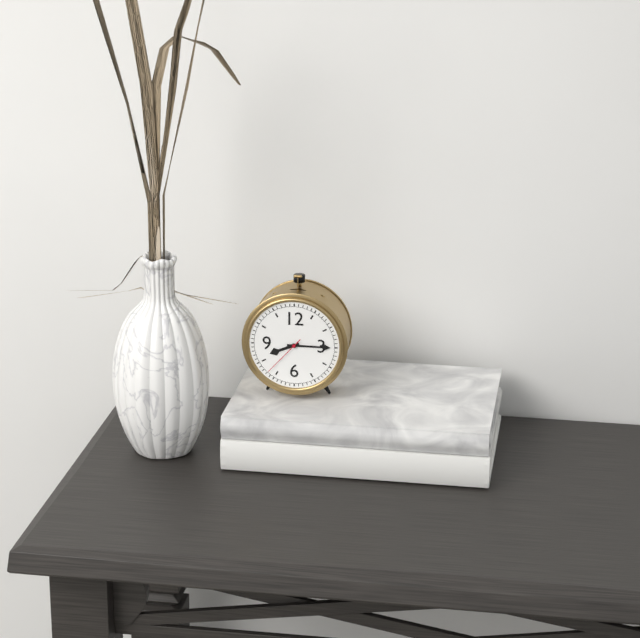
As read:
8 h 15 min
